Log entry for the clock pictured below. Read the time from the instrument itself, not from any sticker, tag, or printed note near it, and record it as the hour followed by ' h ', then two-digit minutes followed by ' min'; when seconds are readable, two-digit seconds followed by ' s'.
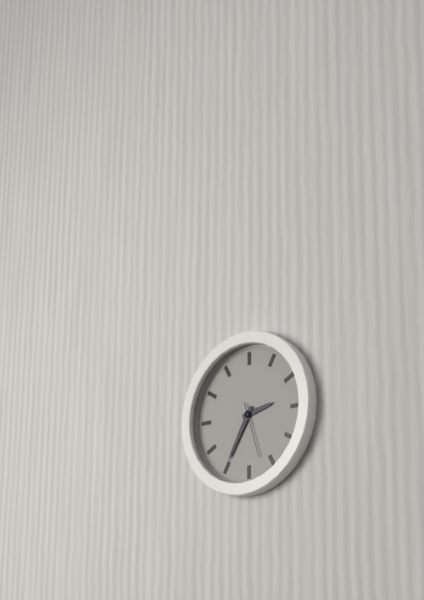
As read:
2 h 35 min 27 s
